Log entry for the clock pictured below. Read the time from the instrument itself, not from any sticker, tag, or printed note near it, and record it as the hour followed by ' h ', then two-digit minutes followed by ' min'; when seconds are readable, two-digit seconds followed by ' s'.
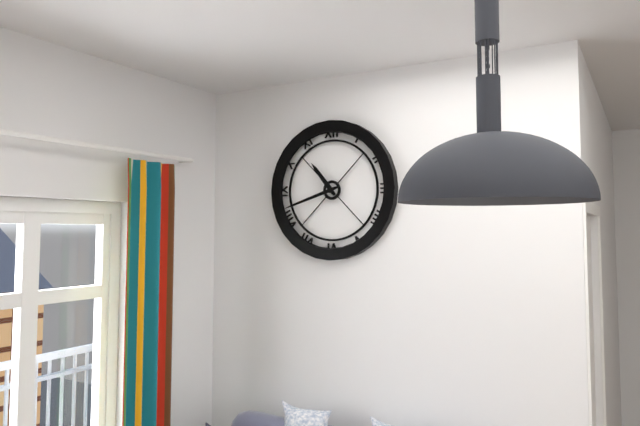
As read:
10 h 42 min
